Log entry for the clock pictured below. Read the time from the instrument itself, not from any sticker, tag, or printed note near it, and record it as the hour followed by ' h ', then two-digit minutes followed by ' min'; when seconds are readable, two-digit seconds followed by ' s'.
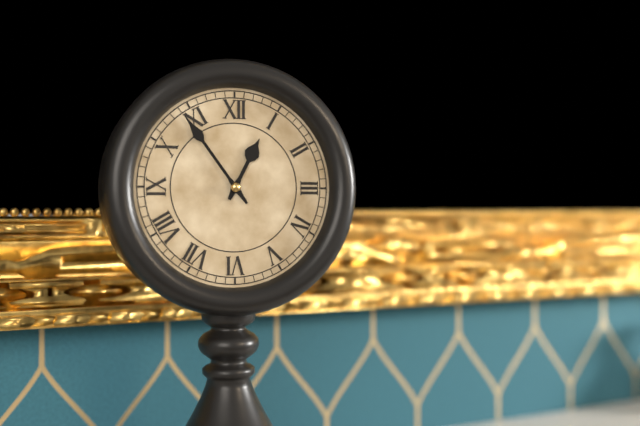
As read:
12 h 54 min
